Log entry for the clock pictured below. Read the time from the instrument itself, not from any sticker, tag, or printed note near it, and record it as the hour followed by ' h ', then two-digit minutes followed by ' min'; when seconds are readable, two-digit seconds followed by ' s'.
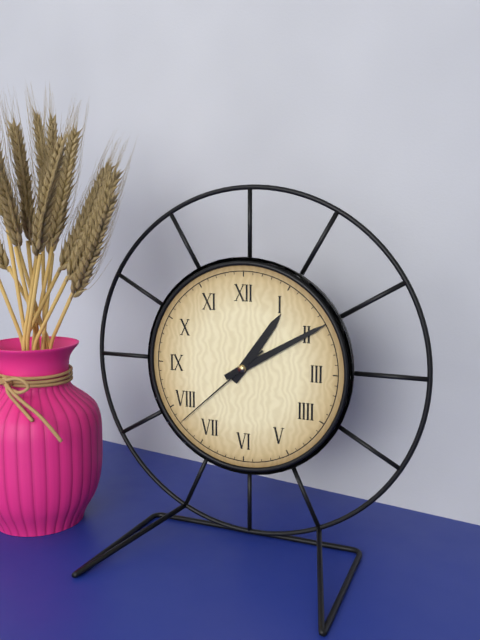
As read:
1 h 10 min 38 s
